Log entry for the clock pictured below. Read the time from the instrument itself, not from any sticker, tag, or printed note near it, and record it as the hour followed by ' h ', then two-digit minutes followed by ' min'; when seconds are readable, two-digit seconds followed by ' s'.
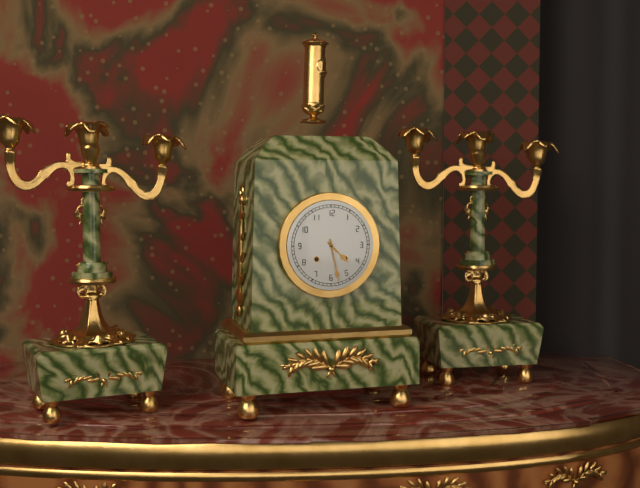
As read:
4 h 28 min
